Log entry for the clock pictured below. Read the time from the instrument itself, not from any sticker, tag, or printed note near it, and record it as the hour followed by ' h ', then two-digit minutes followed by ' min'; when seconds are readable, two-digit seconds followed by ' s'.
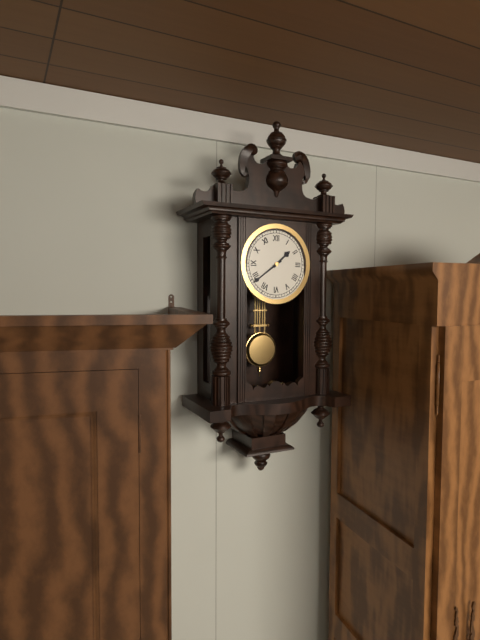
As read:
1 h 39 min
